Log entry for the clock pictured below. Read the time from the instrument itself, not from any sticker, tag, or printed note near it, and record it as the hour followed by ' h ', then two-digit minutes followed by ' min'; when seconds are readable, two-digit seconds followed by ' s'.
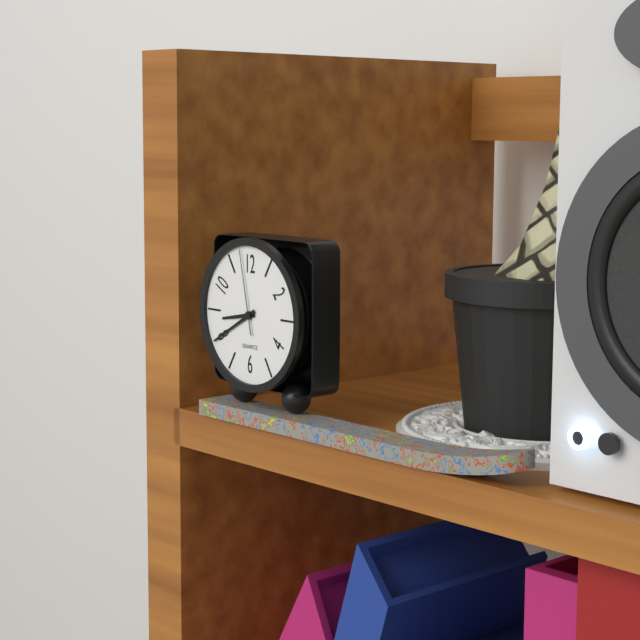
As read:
8 h 40 min 58 s
